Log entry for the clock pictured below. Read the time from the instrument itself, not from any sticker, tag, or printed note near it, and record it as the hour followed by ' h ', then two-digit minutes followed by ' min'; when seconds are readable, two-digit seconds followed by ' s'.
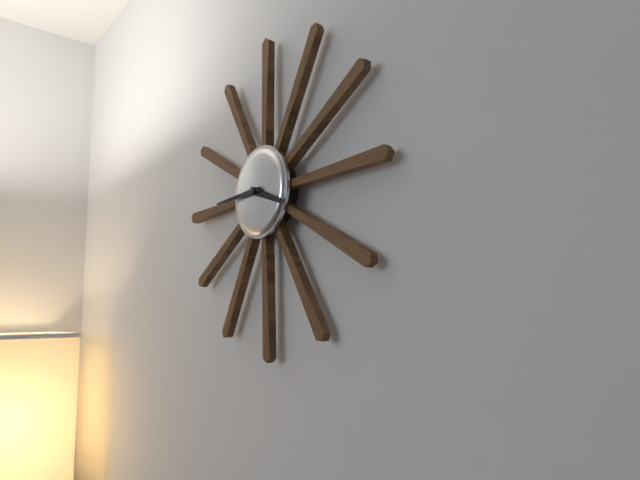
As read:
3 h 45 min
